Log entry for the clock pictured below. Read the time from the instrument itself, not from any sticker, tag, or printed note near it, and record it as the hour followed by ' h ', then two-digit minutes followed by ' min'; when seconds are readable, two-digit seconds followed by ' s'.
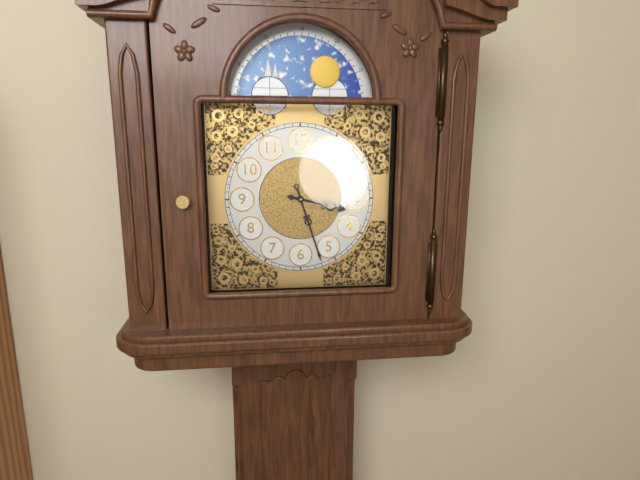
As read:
3 h 27 min
